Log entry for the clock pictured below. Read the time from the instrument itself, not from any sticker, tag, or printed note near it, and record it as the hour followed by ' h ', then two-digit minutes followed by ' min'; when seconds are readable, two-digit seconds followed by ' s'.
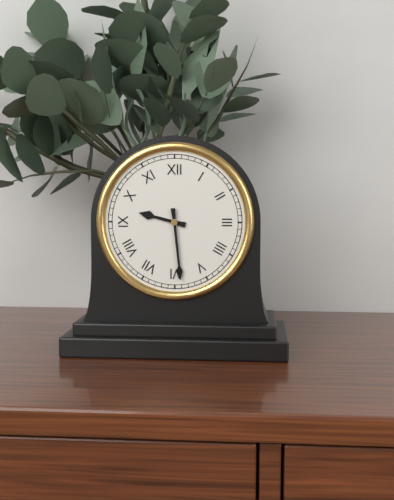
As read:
9 h 29 min
